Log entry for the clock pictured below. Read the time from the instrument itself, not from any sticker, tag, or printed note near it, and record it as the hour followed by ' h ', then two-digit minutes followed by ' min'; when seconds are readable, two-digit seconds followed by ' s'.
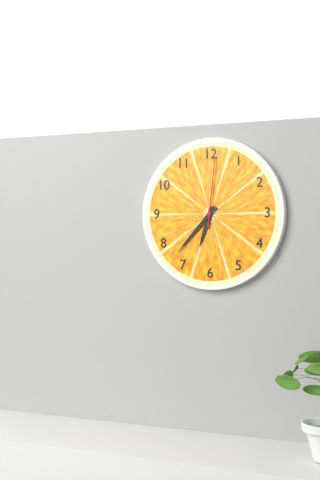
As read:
6 h 37 min 01 s
